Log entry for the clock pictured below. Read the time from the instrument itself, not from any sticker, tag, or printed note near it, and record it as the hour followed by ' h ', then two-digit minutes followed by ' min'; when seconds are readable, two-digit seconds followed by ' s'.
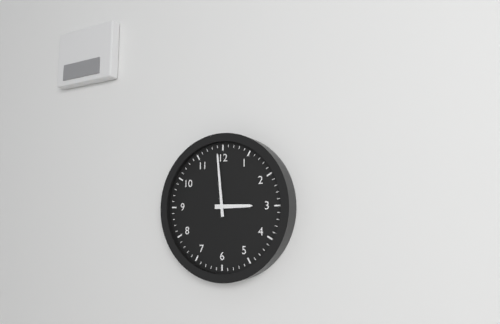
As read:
2 h 59 min
